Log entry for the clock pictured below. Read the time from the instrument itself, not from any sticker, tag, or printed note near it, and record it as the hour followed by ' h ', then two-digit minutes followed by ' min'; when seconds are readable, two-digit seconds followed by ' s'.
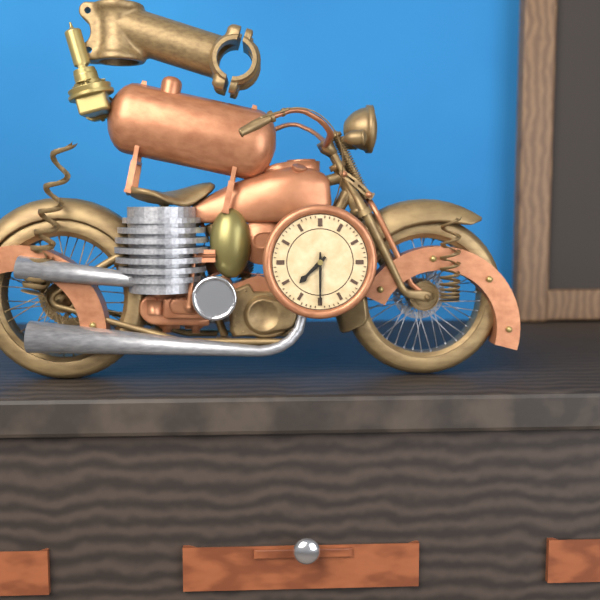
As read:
7 h 30 min
